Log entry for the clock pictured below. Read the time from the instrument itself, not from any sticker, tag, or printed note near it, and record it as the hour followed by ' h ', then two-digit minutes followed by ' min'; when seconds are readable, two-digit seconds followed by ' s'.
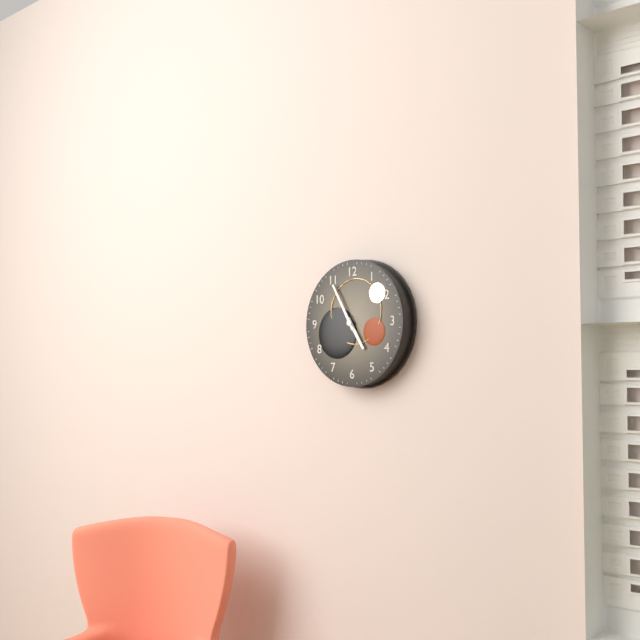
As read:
4 h 55 min
